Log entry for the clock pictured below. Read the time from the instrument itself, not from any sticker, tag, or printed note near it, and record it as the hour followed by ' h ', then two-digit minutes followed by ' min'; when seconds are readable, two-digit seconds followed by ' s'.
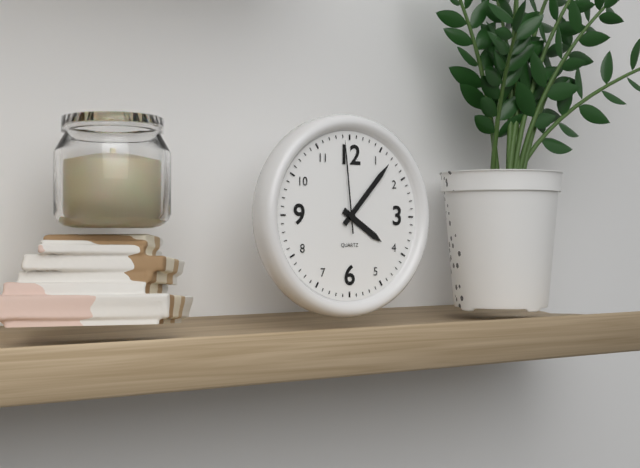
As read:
4 h 07 min 59 s
